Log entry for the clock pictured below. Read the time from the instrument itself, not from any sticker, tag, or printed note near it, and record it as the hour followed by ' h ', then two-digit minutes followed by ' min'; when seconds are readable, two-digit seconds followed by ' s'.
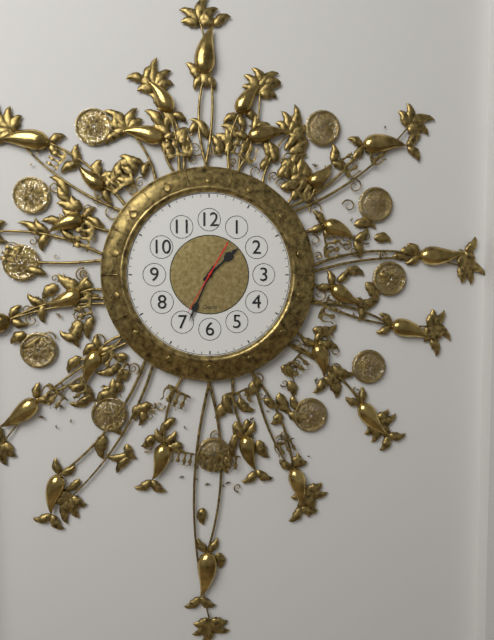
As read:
1 h 34 min 35 s
